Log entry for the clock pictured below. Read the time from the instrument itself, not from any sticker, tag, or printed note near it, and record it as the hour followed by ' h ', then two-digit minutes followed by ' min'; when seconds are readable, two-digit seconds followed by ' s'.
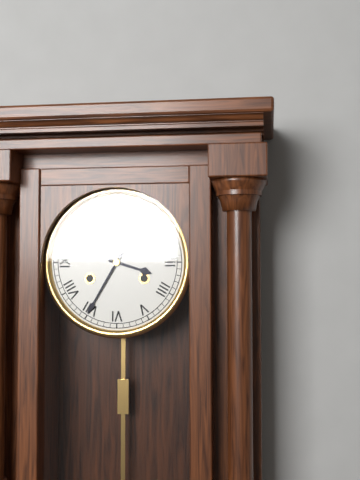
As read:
3 h 35 min
